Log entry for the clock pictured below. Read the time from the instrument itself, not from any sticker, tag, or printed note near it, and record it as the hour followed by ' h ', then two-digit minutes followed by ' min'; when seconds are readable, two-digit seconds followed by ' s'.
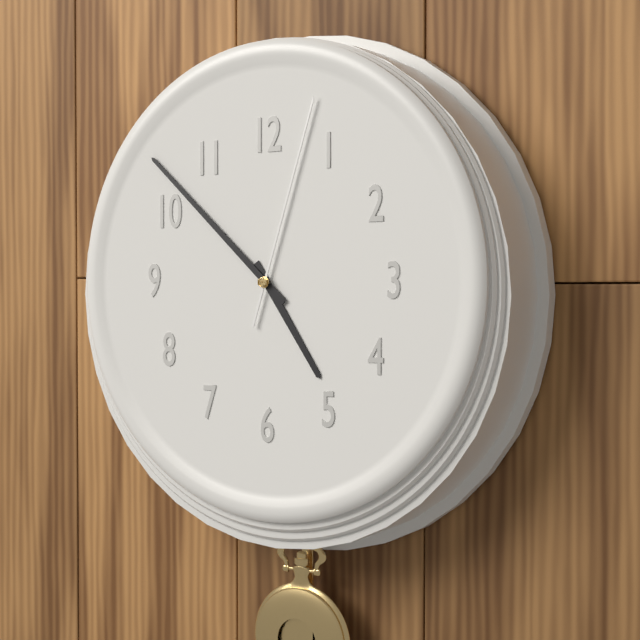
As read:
4 h 52 min 03 s
